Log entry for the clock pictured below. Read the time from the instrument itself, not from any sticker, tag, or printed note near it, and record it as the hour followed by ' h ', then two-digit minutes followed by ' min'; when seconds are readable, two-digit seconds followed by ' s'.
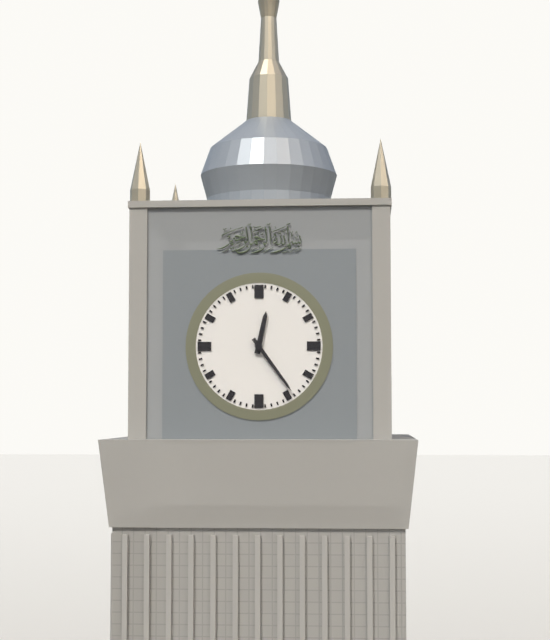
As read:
12 h 24 min
